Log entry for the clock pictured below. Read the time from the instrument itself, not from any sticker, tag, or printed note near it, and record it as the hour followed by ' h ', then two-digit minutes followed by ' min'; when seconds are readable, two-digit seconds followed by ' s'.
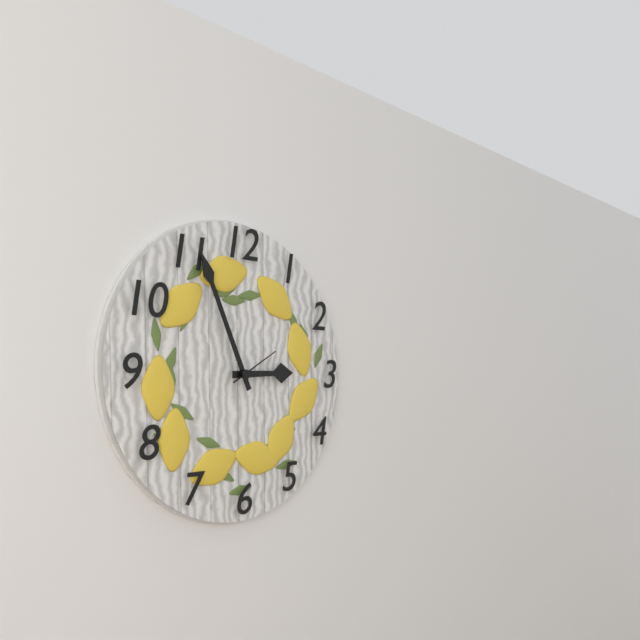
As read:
2 h 56 min
